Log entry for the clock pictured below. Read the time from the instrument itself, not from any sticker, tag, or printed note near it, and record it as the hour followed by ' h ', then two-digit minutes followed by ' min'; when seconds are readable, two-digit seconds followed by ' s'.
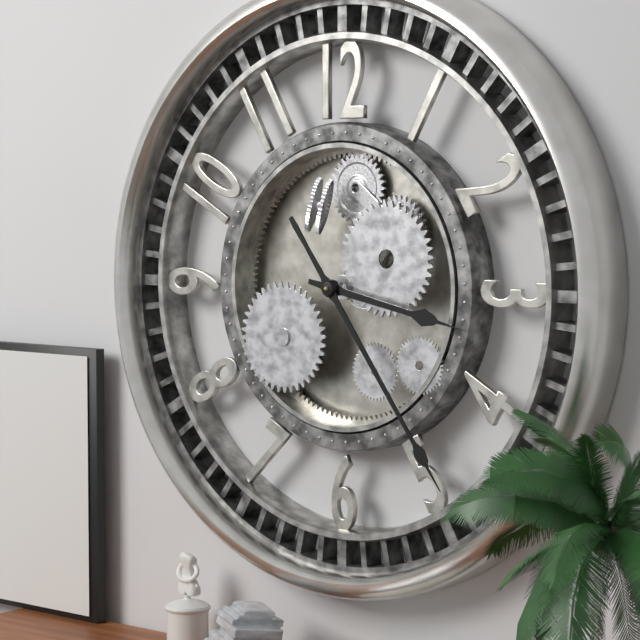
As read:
3 h 24 min
